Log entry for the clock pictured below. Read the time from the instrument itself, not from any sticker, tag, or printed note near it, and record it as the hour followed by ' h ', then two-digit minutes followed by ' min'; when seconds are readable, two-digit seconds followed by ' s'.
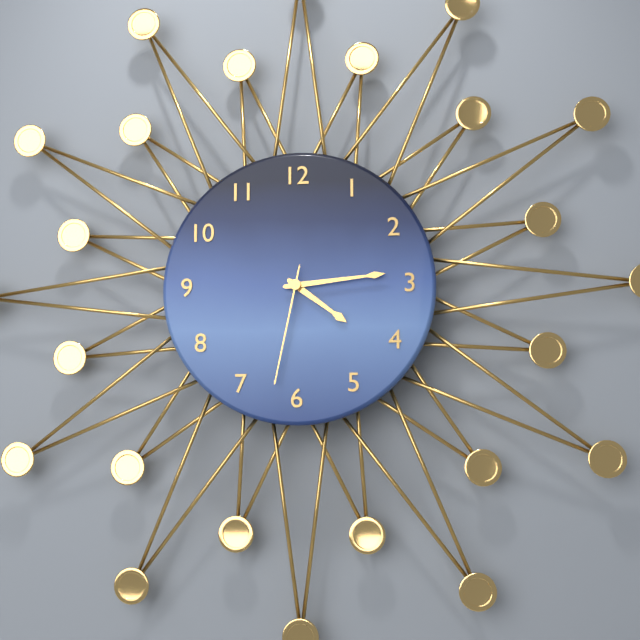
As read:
4 h 14 min 32 s
